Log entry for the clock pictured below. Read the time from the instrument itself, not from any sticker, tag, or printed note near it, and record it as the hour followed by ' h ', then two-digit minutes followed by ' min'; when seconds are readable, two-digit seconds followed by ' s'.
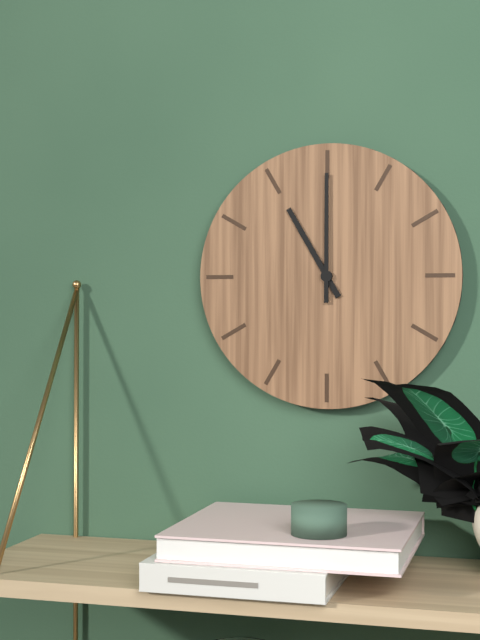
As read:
11 h 00 min
